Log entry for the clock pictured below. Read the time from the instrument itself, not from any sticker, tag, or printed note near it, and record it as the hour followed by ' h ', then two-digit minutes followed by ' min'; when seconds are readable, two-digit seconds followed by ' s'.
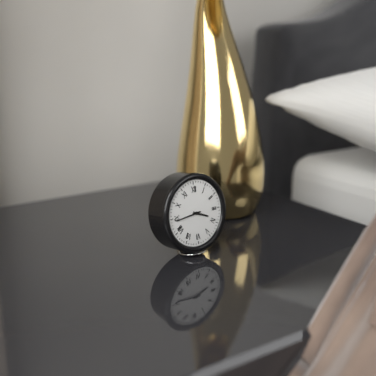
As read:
3 h 44 min
